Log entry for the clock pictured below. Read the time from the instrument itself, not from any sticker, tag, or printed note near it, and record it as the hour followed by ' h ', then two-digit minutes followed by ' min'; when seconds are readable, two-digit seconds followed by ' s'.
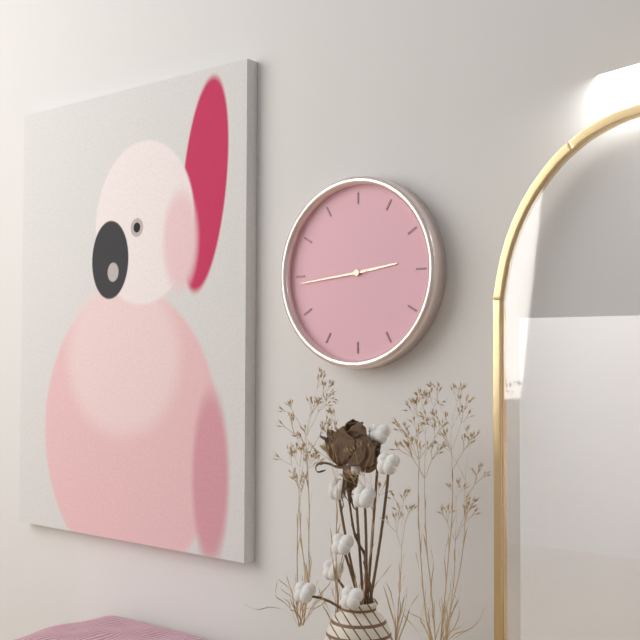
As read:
2 h 44 min
